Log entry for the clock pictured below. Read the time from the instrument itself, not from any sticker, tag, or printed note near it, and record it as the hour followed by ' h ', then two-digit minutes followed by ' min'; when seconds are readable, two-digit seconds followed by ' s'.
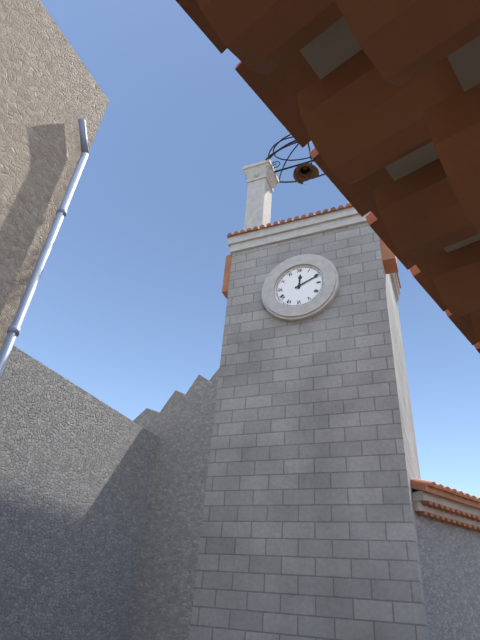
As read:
12 h 11 min
